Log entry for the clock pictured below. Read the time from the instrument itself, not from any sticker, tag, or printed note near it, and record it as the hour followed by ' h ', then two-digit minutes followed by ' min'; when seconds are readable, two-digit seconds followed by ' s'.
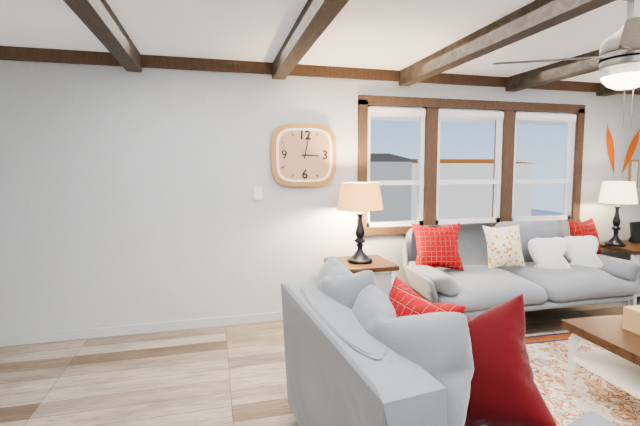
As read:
3 h 02 min
